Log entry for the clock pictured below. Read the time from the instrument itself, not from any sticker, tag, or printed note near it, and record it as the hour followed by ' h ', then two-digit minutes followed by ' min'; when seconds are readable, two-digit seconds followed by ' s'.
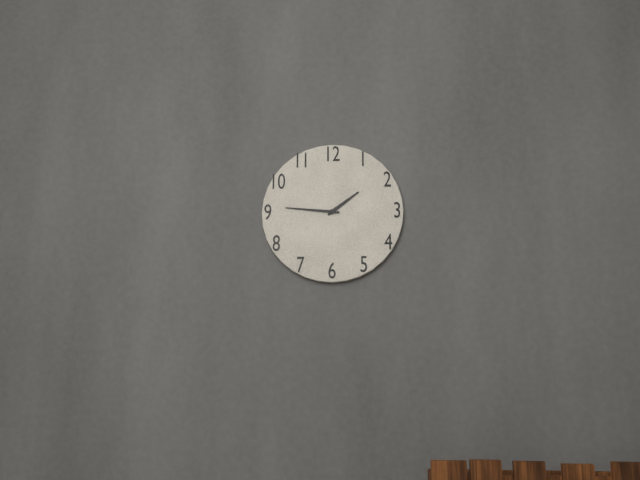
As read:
1 h 46 min
